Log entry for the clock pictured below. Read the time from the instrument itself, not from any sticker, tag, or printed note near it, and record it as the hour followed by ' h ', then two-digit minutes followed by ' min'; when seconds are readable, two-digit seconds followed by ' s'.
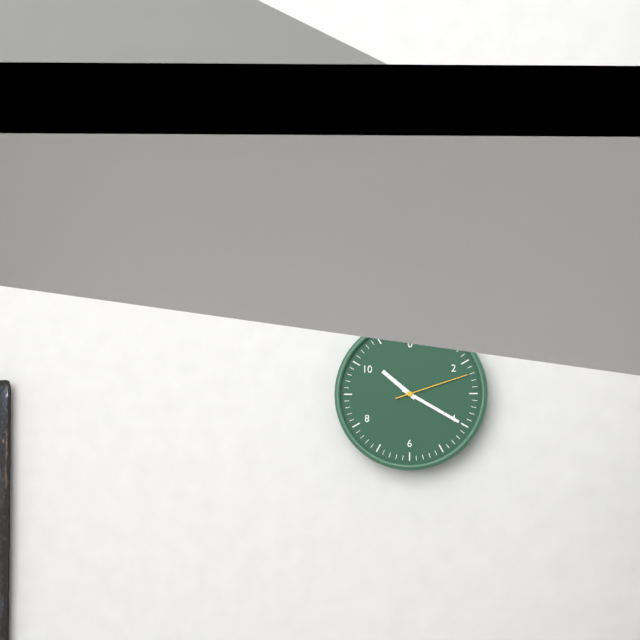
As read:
10 h 20 min 12 s
